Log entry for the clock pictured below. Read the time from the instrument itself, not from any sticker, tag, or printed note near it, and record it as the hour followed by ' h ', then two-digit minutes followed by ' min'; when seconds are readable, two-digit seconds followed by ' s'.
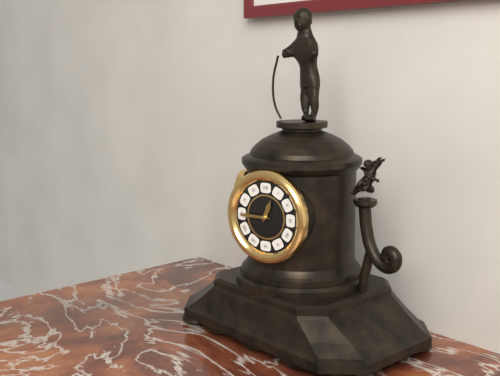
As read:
12 h 45 min
